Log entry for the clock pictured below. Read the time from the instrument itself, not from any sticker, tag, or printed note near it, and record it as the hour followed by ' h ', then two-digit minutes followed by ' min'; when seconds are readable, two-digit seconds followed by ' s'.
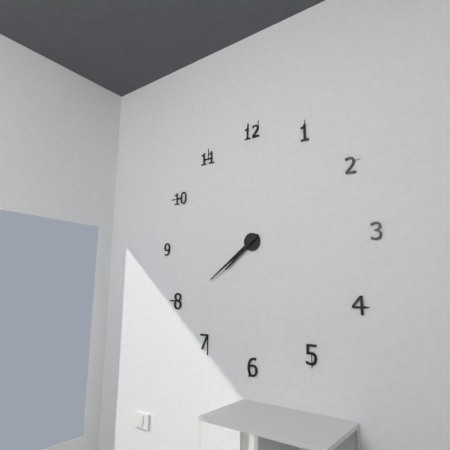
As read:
7 h 39 min
